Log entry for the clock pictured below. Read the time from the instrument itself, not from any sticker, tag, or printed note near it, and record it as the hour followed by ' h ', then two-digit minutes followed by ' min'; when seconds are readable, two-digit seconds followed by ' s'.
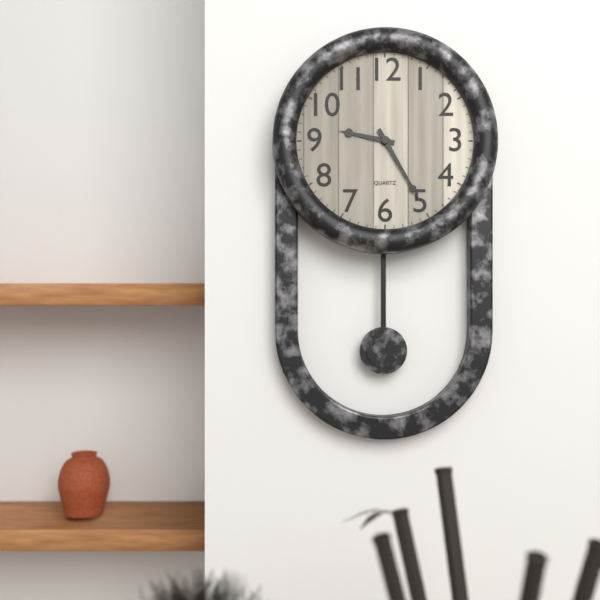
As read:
9 h 25 min
